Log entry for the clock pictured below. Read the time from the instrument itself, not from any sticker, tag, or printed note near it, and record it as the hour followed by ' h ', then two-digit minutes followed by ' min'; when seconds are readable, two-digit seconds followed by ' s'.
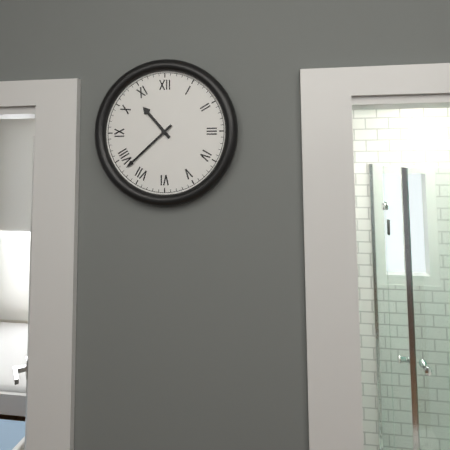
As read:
10 h 38 min
